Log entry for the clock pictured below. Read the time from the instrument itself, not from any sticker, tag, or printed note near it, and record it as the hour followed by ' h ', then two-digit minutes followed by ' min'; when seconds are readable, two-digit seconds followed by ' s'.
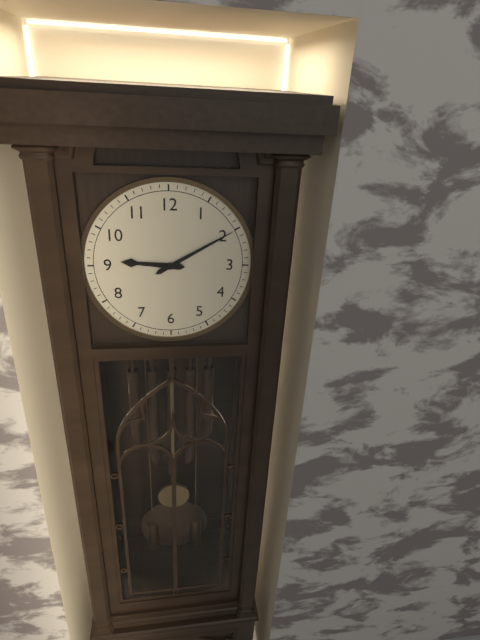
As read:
9 h 10 min
